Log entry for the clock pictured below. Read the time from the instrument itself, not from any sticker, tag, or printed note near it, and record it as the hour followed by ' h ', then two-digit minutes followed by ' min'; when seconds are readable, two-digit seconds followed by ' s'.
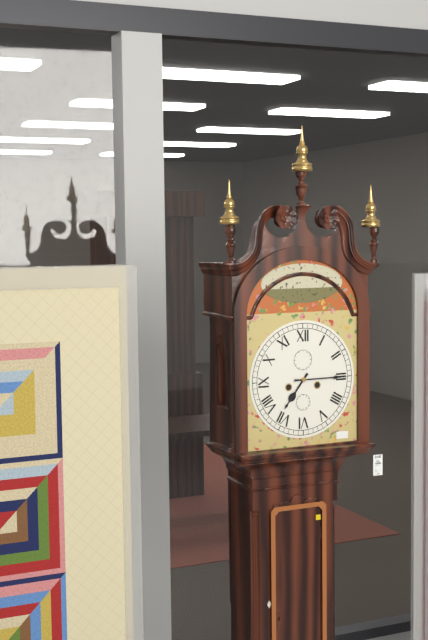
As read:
7 h 15 min
